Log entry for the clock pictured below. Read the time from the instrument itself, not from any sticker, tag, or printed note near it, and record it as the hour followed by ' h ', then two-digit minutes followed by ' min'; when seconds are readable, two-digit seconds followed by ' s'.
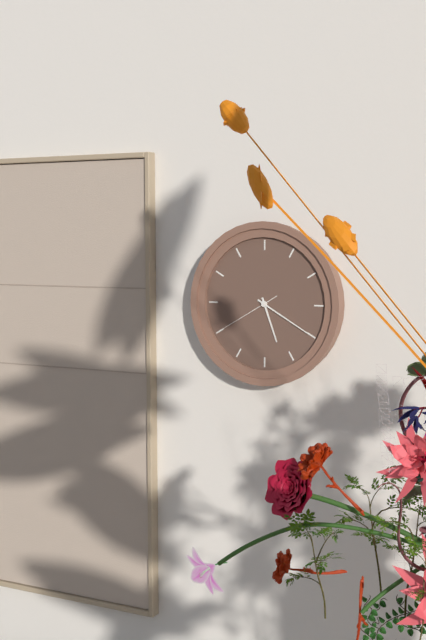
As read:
5 h 20 min 40 s
